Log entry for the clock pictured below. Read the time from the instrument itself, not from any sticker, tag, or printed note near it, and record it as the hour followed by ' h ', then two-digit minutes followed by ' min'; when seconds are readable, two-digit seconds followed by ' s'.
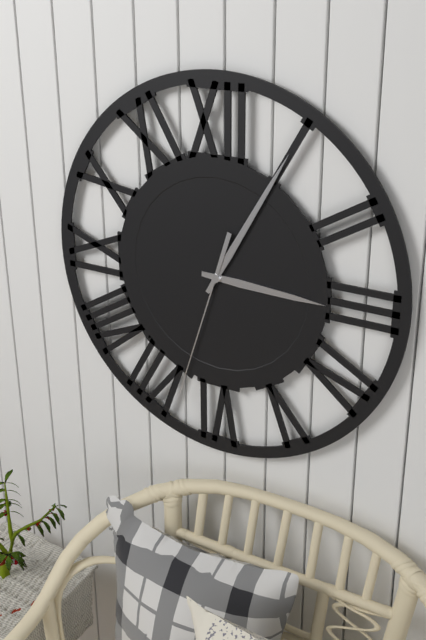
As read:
3 h 05 min 33 s
